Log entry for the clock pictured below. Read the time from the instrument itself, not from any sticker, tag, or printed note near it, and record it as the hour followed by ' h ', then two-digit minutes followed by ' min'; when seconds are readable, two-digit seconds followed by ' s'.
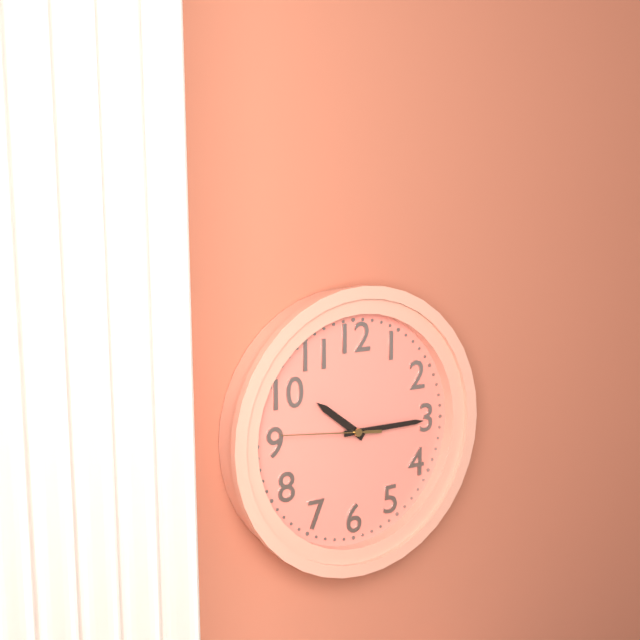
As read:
10 h 15 min 46 s
